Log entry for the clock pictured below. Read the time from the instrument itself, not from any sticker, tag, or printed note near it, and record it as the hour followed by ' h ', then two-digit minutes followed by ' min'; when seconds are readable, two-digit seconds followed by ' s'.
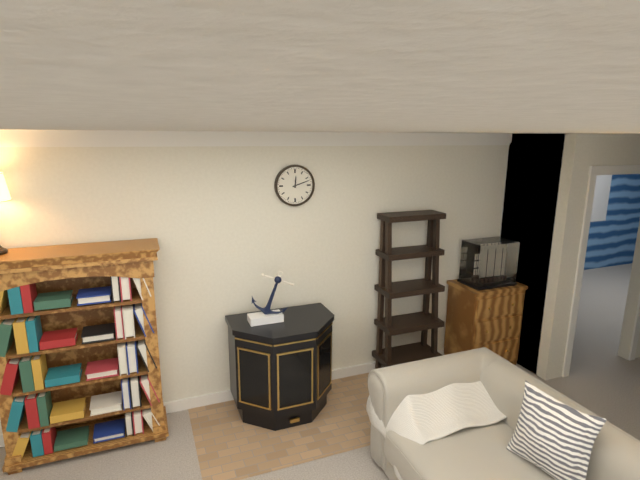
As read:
12 h 12 min
